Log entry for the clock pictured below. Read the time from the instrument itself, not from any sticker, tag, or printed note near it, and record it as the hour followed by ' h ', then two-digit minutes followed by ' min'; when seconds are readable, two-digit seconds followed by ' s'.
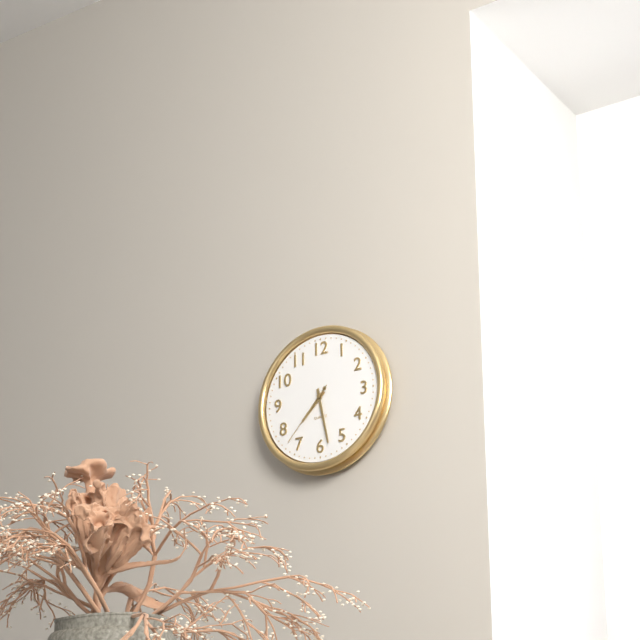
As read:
7 h 28 min 37 s
